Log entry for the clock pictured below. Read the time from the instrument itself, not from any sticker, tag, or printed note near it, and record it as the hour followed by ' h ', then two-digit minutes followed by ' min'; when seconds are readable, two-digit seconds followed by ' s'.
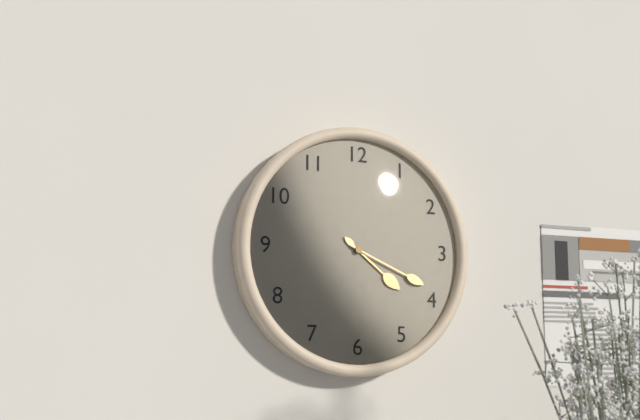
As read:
4 h 19 min
